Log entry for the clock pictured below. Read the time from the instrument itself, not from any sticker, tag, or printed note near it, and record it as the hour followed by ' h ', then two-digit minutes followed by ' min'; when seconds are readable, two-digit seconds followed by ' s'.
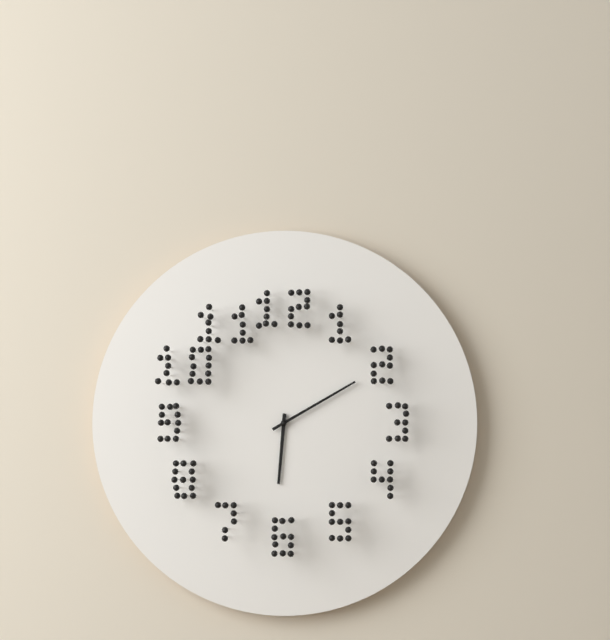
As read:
6 h 10 min
